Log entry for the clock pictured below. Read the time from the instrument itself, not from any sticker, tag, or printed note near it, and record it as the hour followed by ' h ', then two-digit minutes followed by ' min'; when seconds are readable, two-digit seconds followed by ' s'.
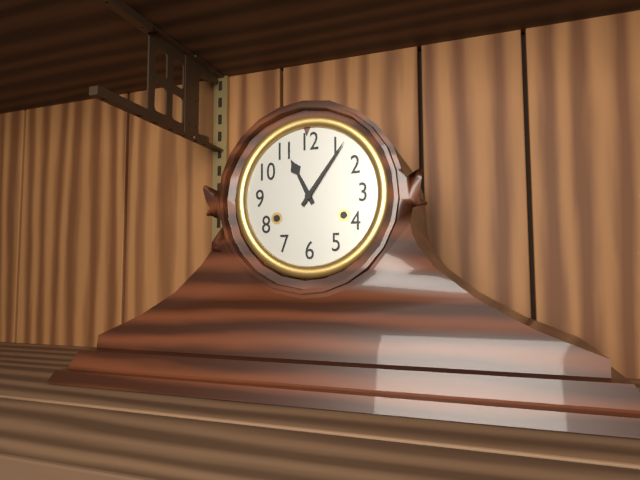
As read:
11 h 06 min
